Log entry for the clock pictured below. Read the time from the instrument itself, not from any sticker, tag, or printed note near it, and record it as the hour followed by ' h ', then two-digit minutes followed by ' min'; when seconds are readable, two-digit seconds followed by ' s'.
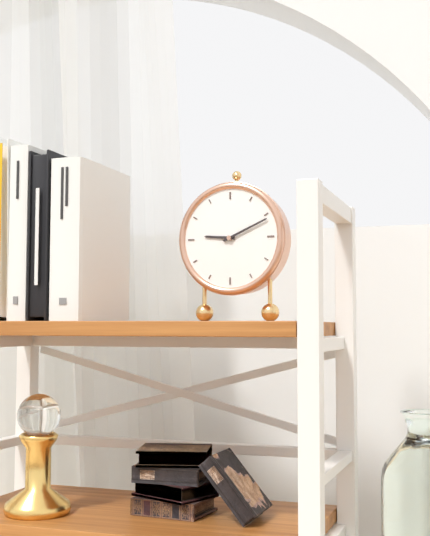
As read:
9 h 11 min
